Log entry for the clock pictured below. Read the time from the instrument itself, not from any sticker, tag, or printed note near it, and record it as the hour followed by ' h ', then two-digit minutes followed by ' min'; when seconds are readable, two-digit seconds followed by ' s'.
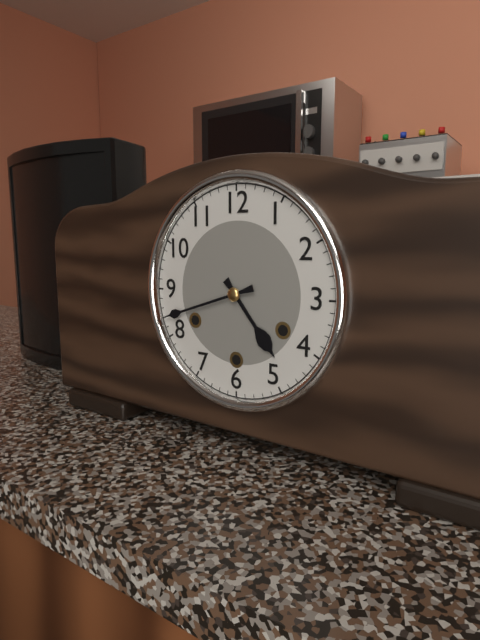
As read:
4 h 42 min
